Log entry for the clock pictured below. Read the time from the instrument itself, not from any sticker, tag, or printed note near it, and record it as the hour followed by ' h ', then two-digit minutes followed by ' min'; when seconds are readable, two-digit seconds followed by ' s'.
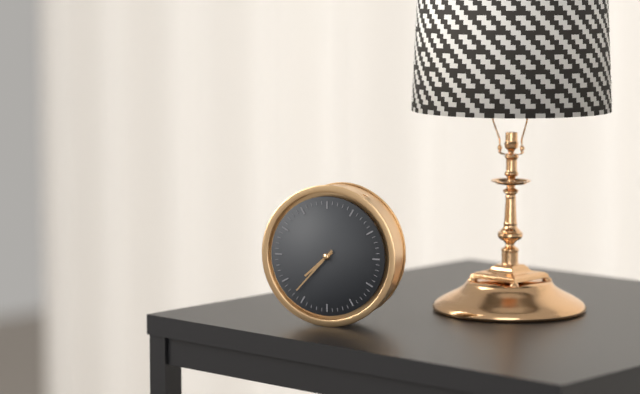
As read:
7 h 37 min
